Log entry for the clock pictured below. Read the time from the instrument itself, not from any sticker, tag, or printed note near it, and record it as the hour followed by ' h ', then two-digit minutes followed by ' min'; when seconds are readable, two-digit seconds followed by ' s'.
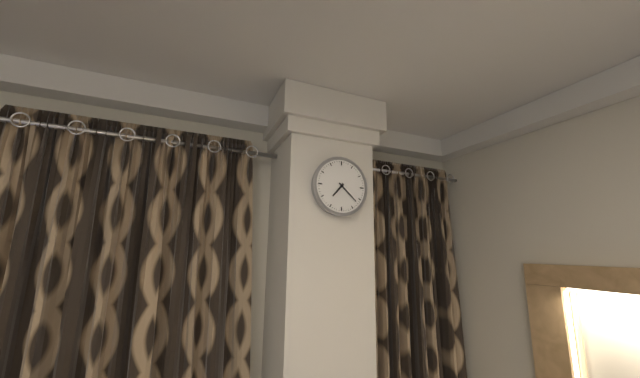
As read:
7 h 22 min
